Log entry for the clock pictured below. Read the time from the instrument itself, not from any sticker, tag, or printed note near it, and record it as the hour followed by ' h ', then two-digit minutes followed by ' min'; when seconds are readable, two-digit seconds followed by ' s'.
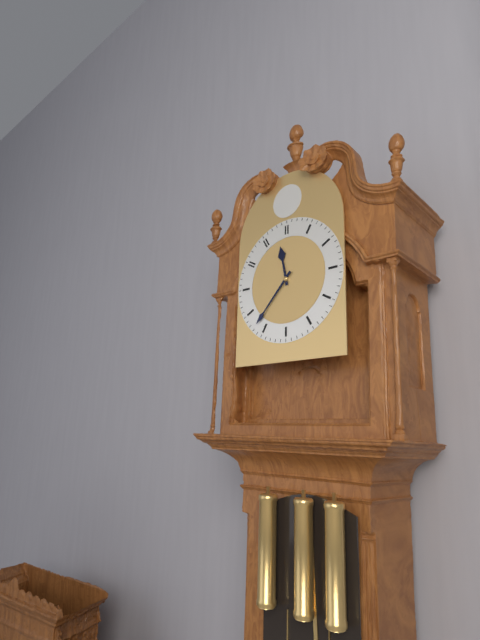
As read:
11 h 37 min
